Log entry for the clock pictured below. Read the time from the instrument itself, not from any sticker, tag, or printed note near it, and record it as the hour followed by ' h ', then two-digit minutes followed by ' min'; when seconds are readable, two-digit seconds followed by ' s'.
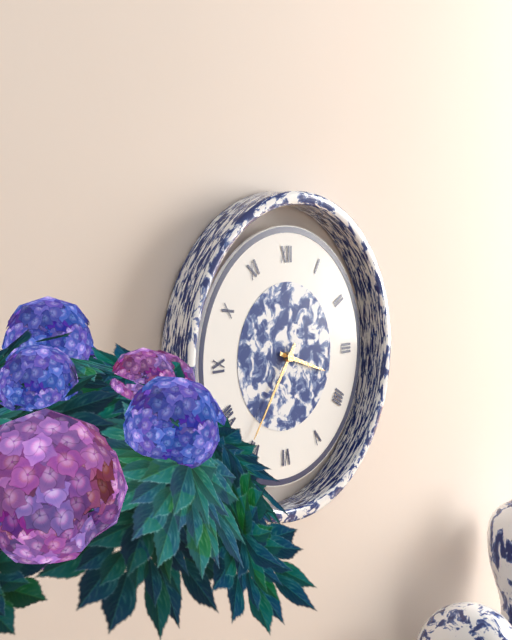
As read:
3 h 36 min
